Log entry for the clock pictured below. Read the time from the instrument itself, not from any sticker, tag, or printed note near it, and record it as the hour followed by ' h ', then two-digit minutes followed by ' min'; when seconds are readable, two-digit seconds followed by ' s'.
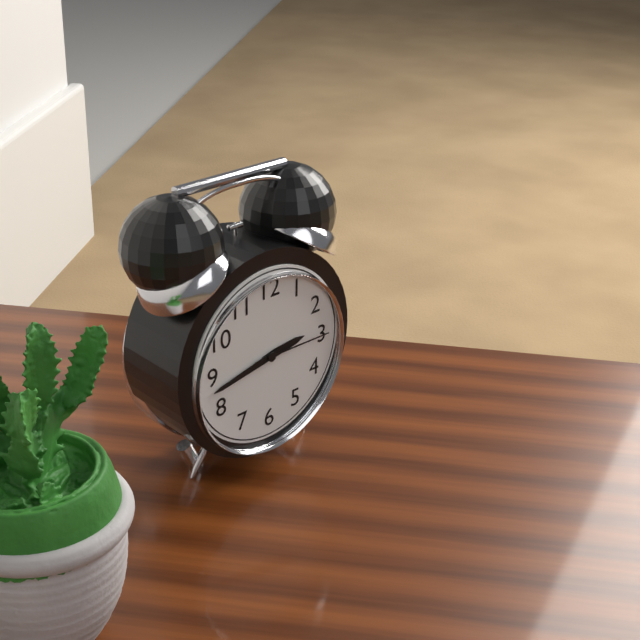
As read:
2 h 43 min 15 s
